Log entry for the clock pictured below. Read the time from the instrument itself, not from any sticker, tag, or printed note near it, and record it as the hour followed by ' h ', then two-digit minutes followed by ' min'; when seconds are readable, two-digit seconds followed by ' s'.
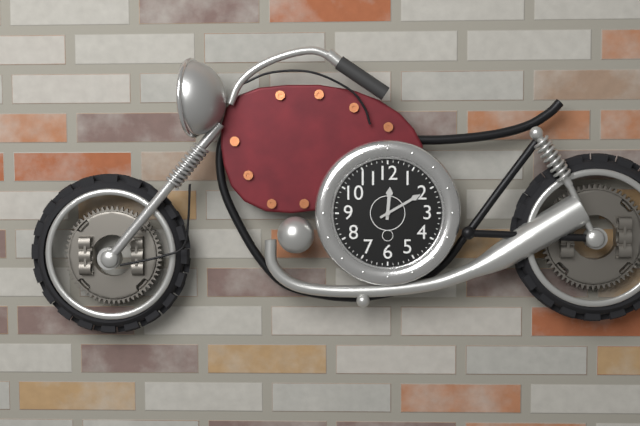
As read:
12 h 10 min
